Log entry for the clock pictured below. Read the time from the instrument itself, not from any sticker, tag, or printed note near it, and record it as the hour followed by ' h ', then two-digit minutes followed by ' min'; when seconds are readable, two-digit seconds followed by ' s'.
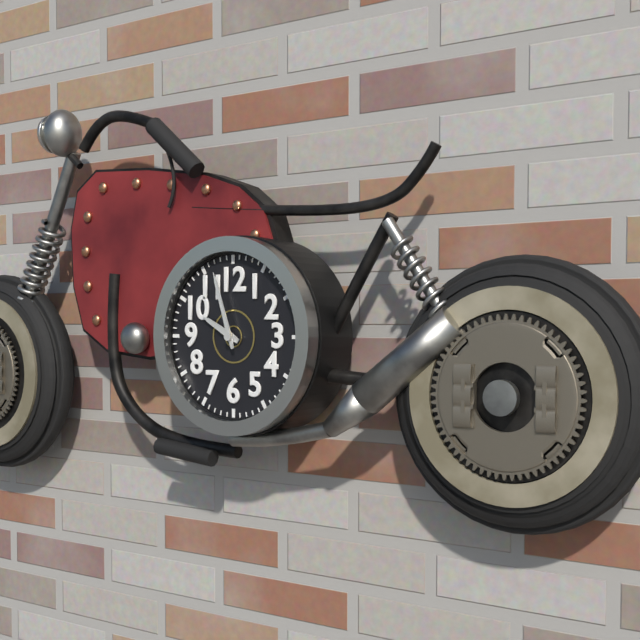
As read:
9 h 57 min
